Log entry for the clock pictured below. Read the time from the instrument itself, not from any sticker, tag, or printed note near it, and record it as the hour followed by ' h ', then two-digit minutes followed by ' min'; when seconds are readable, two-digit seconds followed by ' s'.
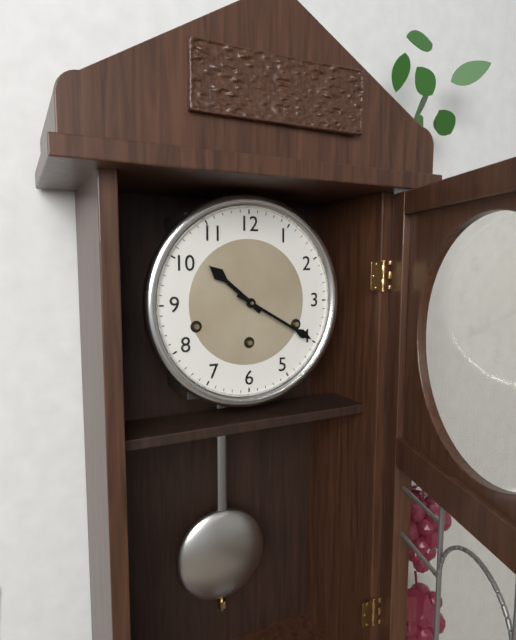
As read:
10 h 20 min
